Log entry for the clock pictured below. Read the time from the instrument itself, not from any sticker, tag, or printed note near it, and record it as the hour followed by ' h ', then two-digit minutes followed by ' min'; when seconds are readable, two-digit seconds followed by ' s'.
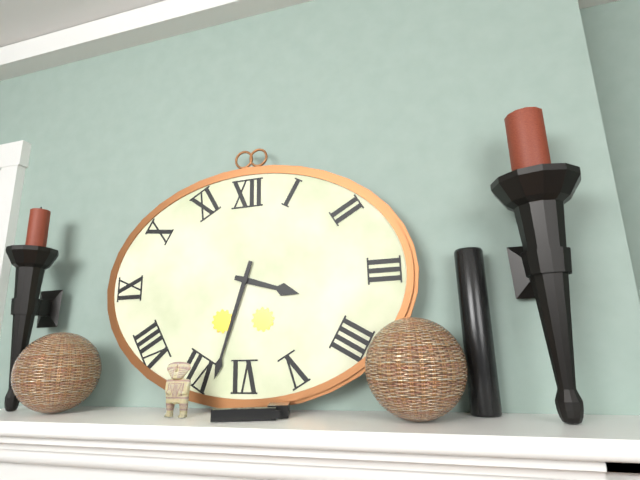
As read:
3 h 33 min
